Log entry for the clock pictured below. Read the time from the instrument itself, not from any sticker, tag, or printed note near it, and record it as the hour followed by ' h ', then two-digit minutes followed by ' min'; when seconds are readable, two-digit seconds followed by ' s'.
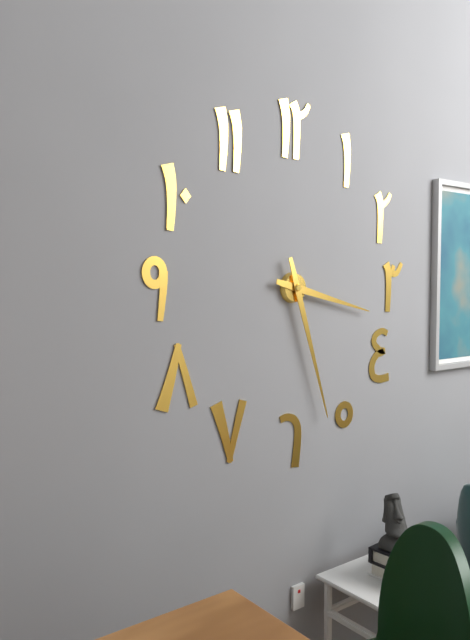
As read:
3 h 27 min
